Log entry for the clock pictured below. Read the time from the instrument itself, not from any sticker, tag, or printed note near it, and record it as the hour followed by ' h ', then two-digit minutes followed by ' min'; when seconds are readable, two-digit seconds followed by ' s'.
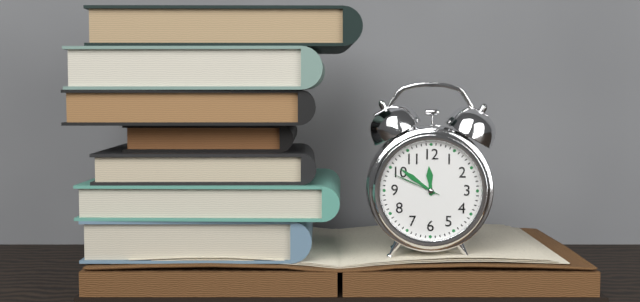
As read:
11 h 51 min 49 s
